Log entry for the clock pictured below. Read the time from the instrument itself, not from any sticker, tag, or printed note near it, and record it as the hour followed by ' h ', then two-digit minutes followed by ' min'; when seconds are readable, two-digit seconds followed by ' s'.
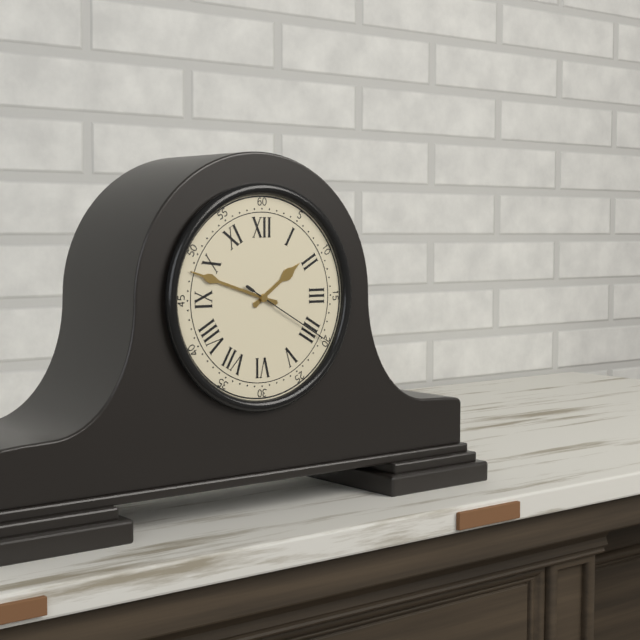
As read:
1 h 48 min 20 s
